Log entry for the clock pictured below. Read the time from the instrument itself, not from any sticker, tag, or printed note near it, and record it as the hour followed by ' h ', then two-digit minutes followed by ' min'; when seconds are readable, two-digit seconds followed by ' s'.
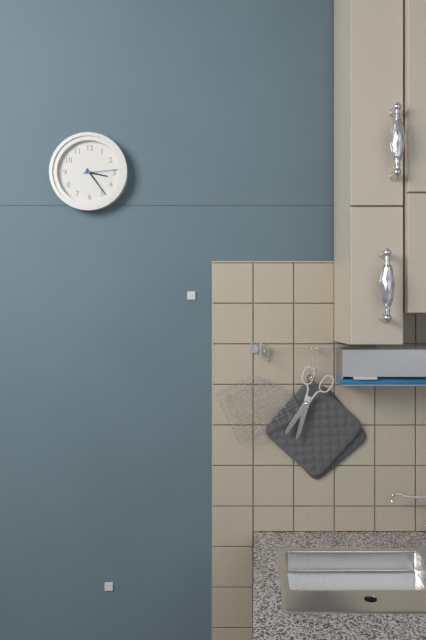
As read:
3 h 24 min
